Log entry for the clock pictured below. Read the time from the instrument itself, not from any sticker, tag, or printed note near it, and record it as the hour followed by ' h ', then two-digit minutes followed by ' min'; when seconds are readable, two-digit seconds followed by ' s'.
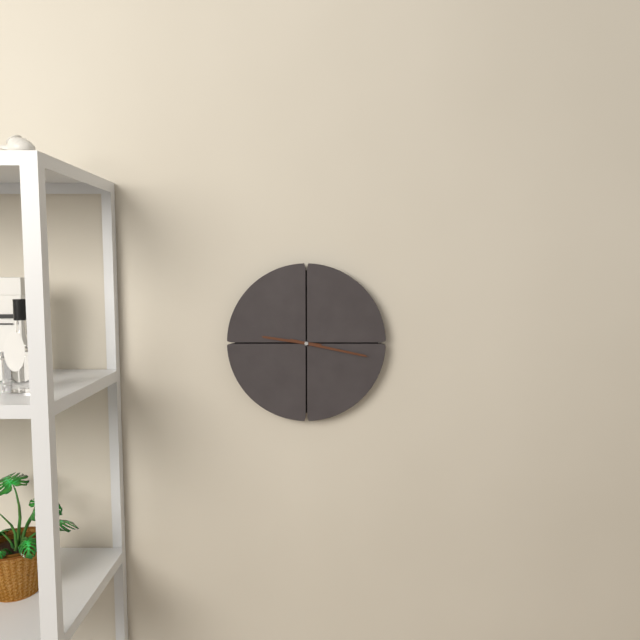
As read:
9 h 17 min
